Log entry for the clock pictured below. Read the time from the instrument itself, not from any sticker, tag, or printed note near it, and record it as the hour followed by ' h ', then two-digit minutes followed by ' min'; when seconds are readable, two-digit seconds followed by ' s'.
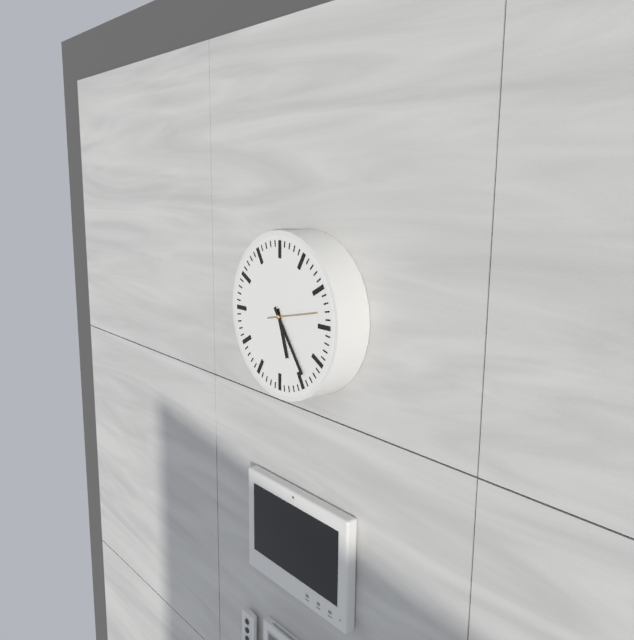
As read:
5 h 24 min
